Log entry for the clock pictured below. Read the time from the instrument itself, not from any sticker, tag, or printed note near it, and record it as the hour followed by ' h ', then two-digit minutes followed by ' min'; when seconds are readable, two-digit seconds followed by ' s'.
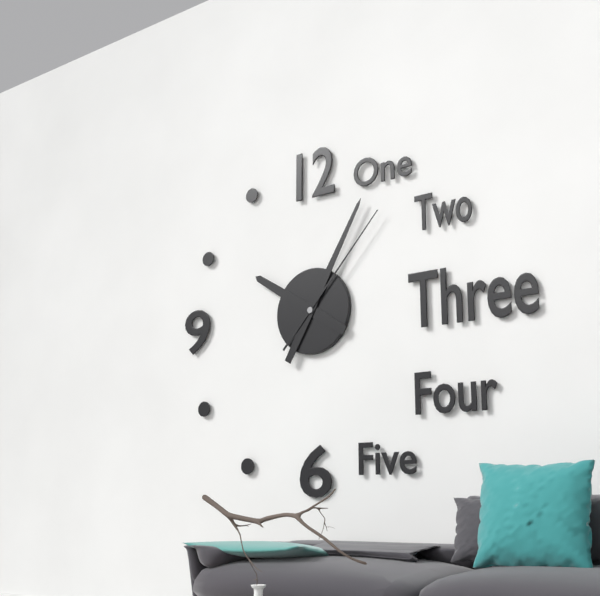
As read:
10 h 05 min 07 s
